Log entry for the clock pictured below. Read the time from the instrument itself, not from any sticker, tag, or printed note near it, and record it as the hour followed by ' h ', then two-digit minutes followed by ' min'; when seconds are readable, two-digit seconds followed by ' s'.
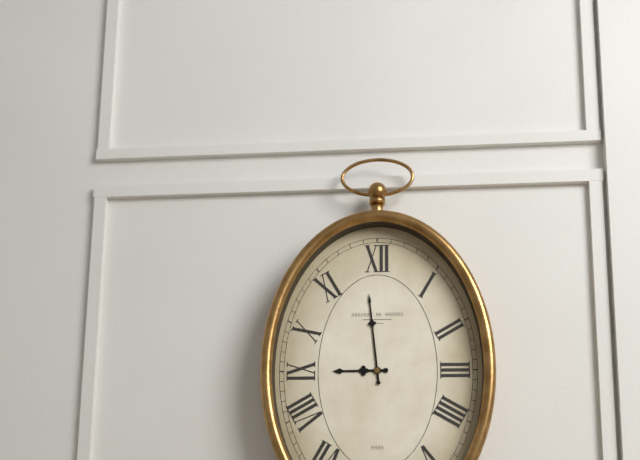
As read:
8 h 59 min
